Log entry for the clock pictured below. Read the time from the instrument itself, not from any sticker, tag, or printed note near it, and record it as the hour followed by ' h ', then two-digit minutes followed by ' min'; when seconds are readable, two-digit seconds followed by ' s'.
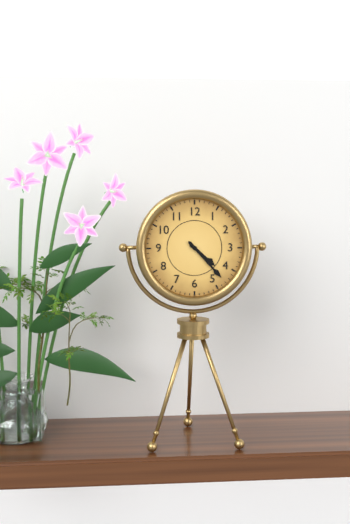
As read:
4 h 23 min
